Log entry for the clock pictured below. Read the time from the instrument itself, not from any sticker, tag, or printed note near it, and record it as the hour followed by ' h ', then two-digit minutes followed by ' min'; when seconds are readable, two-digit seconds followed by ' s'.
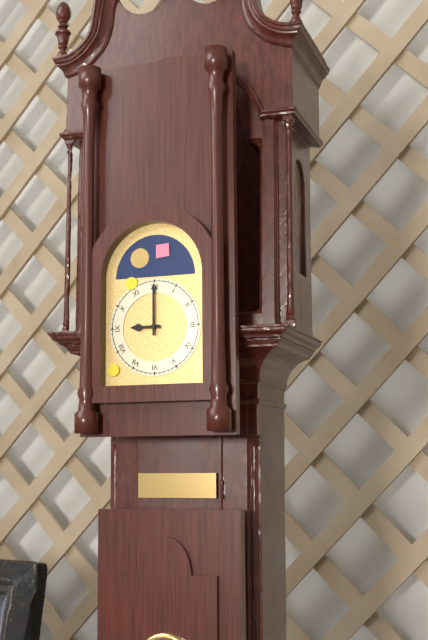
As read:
9 h 00 min
